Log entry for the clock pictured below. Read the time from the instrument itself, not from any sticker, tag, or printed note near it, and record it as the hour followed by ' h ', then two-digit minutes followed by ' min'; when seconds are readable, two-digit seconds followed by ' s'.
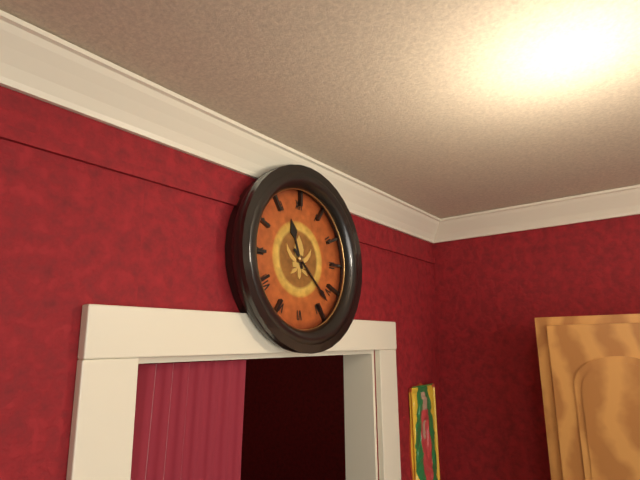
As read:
11 h 22 min
